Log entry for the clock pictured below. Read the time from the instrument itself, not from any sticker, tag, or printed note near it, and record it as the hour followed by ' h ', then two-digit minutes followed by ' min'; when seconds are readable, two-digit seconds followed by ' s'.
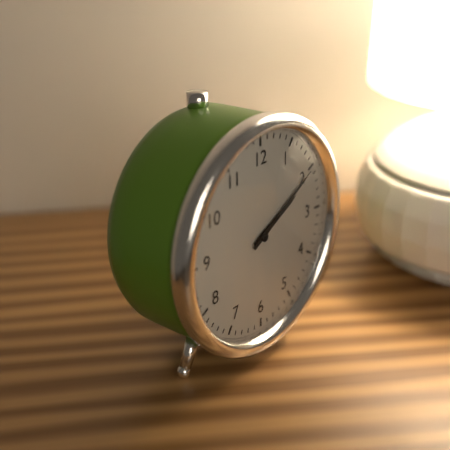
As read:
2 h 10 min
